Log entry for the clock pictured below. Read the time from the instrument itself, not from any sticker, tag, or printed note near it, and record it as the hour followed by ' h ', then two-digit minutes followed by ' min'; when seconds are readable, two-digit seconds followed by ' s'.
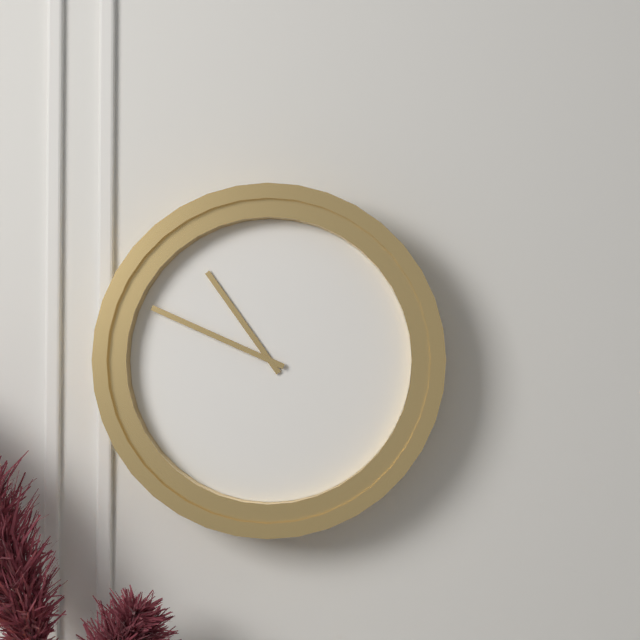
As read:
10 h 49 min
